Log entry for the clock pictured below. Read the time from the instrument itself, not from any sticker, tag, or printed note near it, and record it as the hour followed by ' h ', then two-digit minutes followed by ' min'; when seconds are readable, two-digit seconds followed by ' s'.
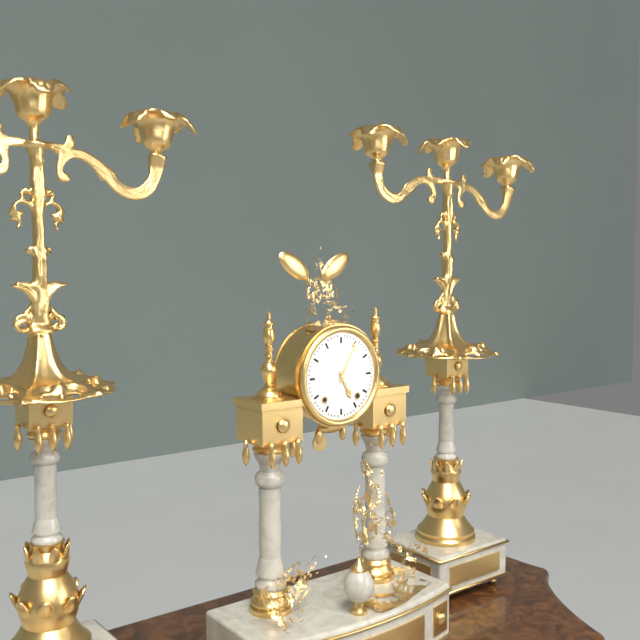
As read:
5 h 05 min
